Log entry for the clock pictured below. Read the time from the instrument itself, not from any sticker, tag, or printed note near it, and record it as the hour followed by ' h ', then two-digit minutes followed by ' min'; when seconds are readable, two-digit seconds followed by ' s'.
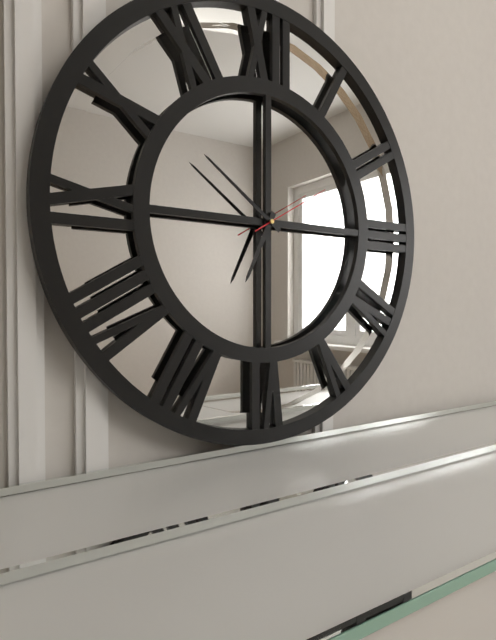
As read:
6 h 51 min 10 s
